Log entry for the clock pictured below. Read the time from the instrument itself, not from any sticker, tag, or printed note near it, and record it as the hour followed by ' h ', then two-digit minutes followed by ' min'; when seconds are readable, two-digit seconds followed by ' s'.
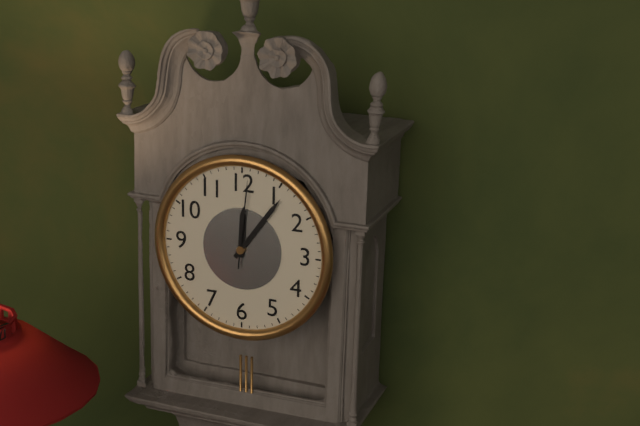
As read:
12 h 06 min 01 s
